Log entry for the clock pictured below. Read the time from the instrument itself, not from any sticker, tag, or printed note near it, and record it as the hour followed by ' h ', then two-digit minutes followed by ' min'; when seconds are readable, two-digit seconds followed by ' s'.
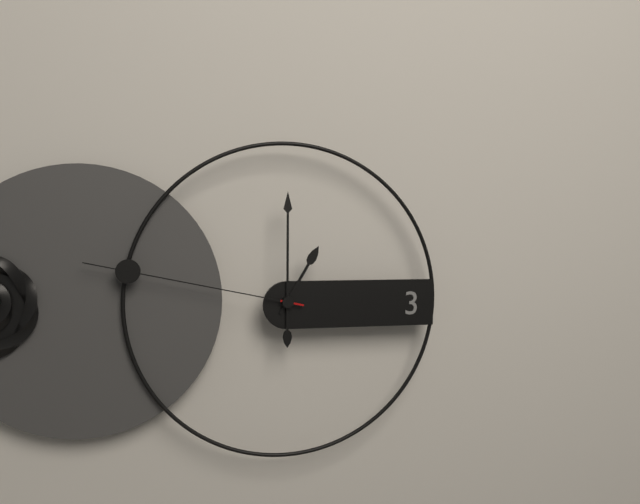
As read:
1 h 00 min 47 s
